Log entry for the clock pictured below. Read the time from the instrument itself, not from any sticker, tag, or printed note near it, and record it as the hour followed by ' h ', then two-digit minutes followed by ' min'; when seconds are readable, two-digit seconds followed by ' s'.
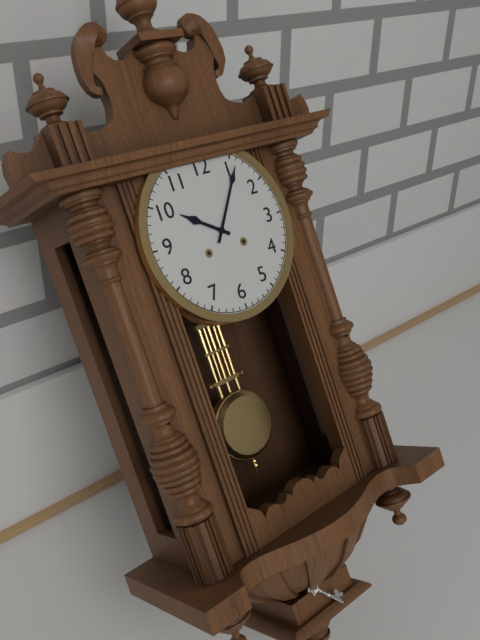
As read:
10 h 06 min
